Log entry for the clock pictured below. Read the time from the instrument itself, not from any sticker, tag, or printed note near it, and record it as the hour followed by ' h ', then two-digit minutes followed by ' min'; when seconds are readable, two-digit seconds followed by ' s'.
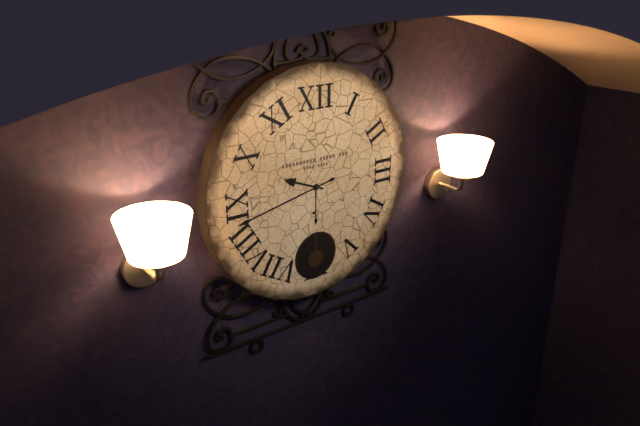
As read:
9 h 43 min
